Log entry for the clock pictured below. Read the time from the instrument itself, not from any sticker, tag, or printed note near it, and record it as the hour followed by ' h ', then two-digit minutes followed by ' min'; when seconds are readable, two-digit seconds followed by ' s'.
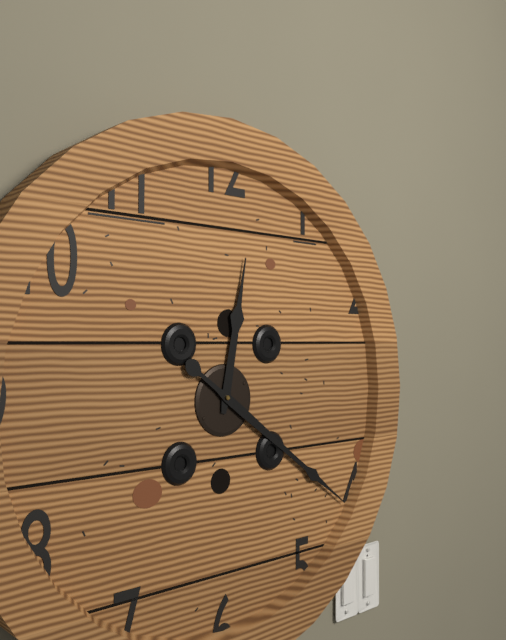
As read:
12 h 21 min
